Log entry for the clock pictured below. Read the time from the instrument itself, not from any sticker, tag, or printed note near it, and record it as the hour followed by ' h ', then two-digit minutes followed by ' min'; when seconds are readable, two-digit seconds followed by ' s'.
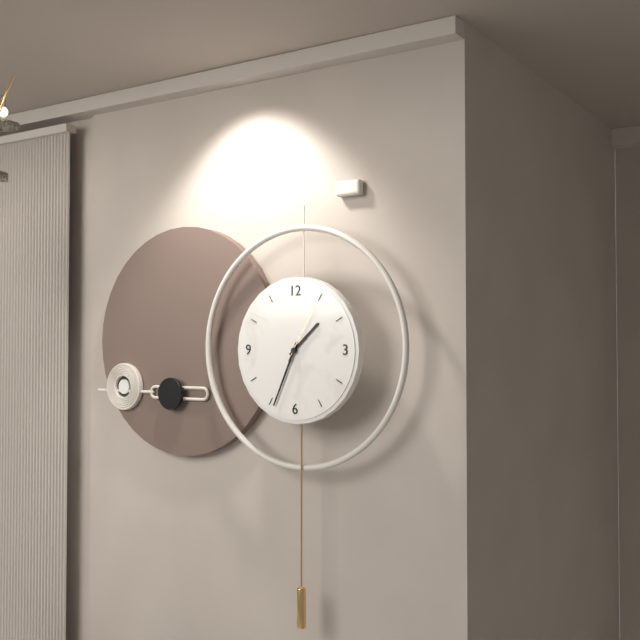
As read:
1 h 34 min 05 s
